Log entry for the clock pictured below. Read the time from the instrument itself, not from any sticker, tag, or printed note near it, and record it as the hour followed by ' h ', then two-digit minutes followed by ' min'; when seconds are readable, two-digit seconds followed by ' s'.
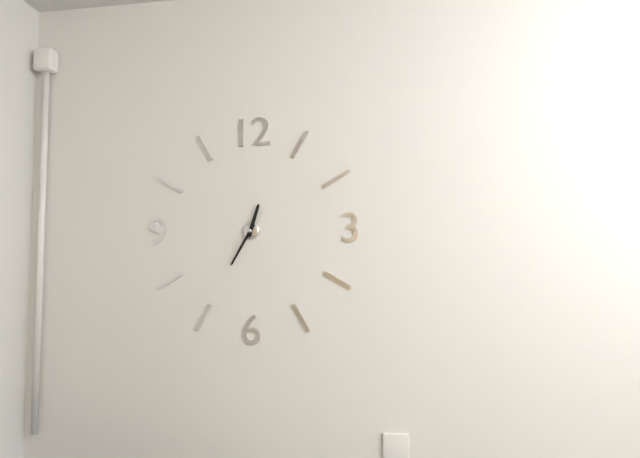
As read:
12 h 35 min
